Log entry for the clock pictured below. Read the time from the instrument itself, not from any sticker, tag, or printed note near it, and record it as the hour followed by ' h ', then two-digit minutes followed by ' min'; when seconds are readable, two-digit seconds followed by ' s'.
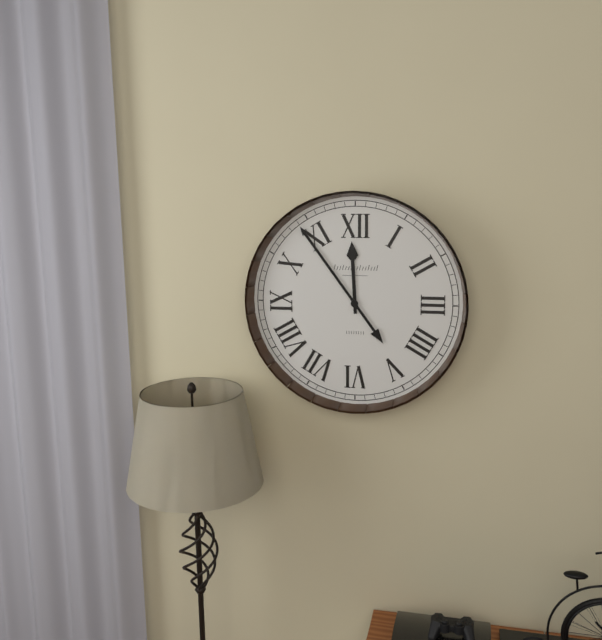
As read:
11 h 54 min
